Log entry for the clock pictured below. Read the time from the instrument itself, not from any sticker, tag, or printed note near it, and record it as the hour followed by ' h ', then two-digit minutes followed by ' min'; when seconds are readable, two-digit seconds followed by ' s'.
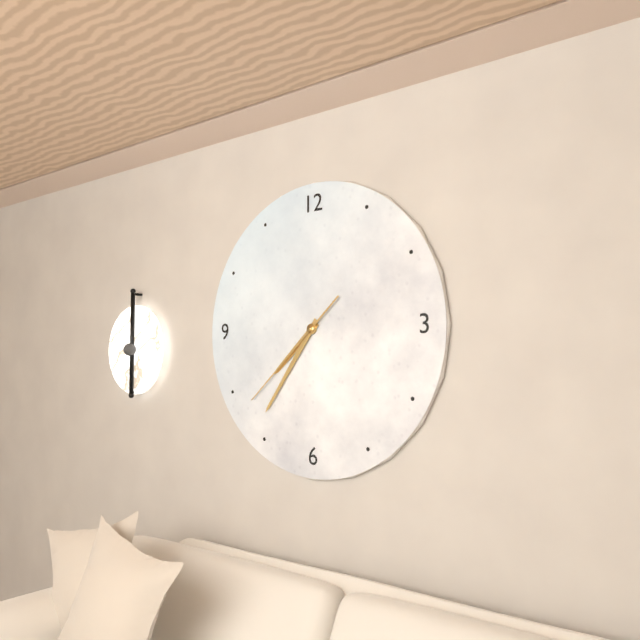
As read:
7 h 36 min 38 s
